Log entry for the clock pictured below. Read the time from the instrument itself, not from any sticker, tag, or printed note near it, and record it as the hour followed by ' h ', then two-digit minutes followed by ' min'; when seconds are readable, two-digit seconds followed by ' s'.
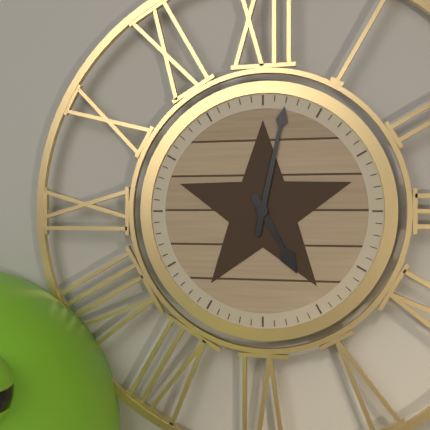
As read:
5 h 02 min
